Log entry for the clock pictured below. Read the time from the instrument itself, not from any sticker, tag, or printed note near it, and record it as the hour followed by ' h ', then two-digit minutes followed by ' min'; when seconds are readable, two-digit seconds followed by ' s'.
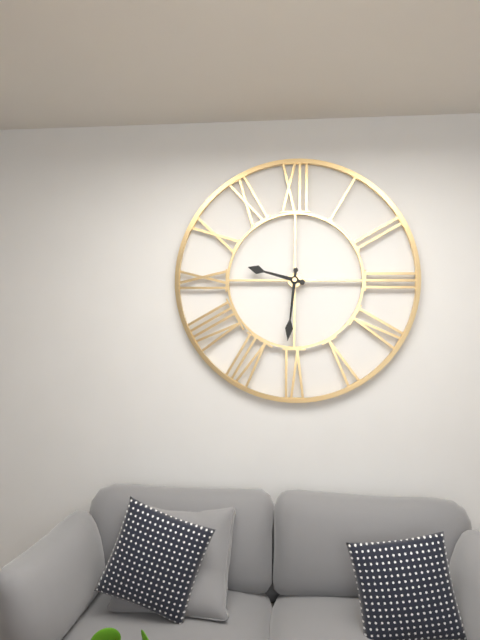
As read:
9 h 31 min
